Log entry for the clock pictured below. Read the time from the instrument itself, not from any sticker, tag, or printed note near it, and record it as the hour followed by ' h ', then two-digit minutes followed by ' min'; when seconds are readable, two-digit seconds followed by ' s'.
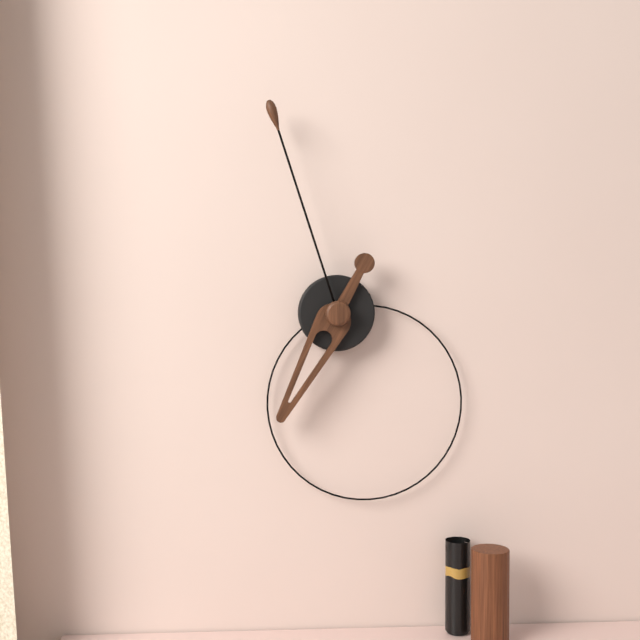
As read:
6 h 57 min
